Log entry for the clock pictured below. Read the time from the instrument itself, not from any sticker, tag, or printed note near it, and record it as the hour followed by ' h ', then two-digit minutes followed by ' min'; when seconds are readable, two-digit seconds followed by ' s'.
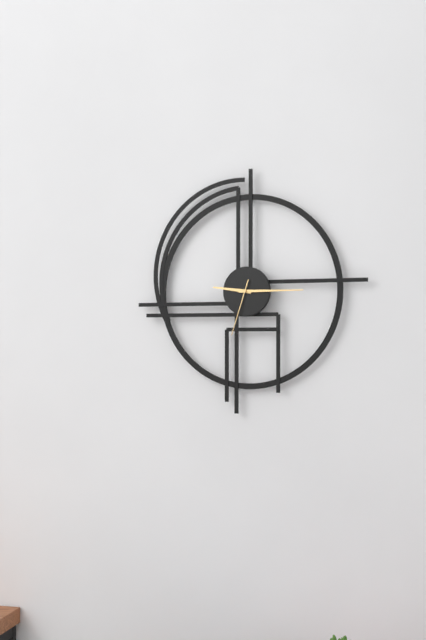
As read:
9 h 15 min 33 s
